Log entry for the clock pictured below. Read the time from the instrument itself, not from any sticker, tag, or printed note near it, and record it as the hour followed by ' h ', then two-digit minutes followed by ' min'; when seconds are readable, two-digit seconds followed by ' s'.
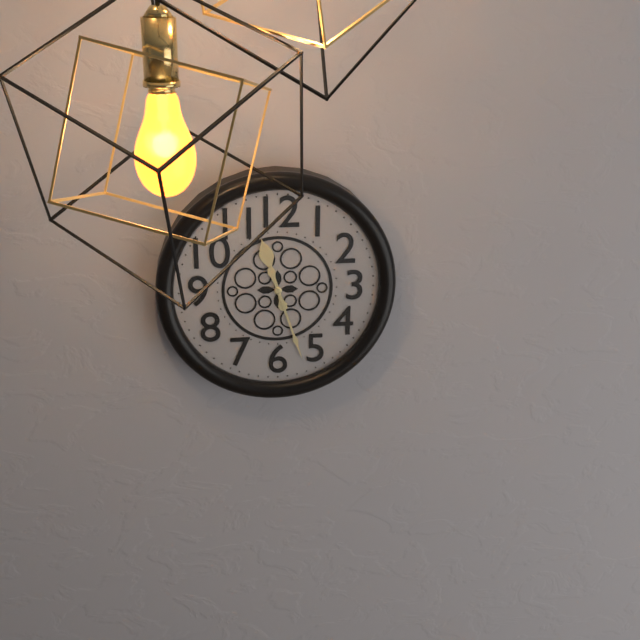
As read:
11 h 27 min
